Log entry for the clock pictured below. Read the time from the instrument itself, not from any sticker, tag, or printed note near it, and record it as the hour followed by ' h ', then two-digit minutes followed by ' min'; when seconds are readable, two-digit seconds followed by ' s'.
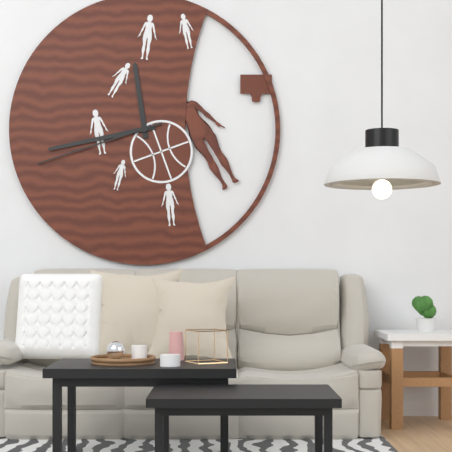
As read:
11 h 43 min 42 s
